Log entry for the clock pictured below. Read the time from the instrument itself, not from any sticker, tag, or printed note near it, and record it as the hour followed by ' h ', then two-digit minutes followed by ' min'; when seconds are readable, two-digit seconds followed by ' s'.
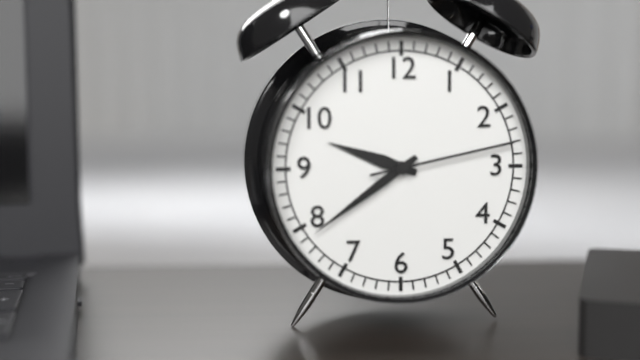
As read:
9 h 39 min 13 s
